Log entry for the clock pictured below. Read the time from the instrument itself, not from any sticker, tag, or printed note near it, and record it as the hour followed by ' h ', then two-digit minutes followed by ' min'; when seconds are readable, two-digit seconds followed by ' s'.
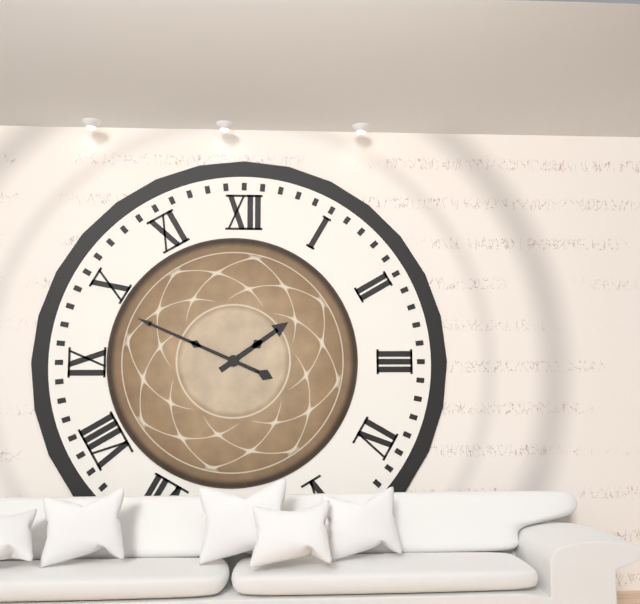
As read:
1 h 49 min
